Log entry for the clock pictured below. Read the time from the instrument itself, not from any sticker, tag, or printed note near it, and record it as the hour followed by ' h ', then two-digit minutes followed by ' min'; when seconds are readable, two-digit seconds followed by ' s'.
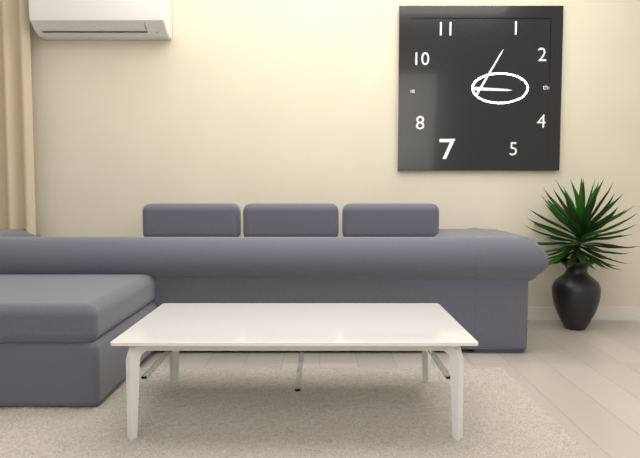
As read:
3 h 05 min
